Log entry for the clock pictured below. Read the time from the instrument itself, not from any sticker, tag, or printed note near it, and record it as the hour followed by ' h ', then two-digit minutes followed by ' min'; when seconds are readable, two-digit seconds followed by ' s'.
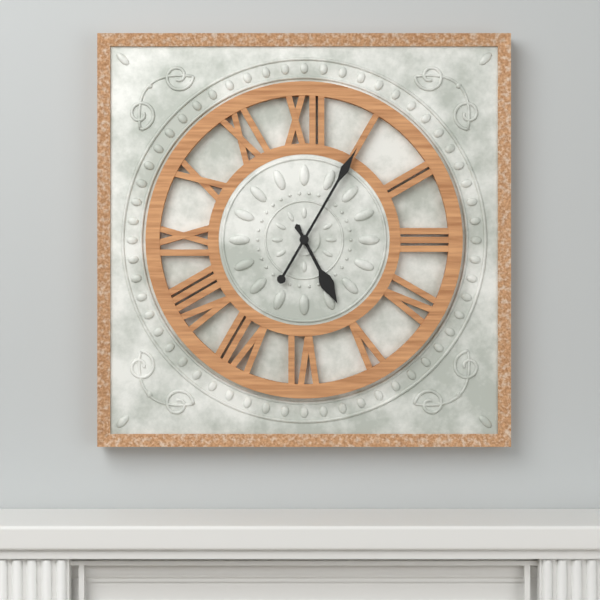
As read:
5 h 05 min
